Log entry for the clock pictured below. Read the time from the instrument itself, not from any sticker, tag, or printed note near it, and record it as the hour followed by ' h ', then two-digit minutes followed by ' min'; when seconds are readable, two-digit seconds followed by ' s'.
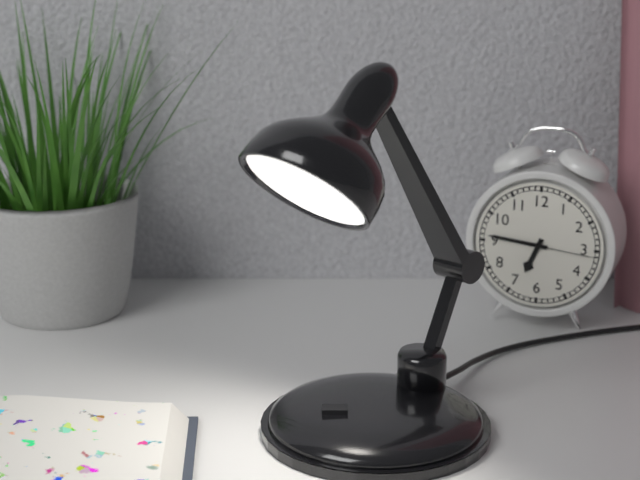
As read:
6 h 46 min 16 s
